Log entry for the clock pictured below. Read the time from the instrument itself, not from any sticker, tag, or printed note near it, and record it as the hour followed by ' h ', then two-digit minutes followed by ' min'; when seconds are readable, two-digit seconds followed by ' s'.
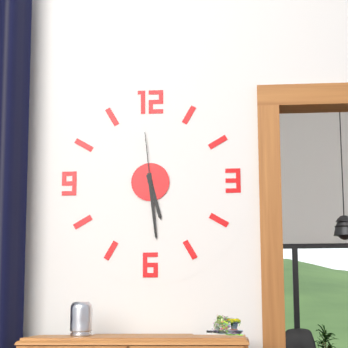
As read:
5 h 29 min 59 s
